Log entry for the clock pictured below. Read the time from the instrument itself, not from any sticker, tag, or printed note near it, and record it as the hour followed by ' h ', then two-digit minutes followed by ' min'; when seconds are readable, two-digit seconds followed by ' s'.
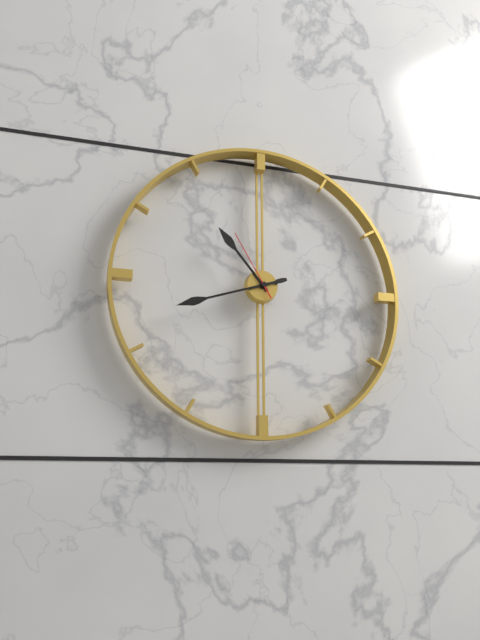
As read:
10 h 42 min 55 s
